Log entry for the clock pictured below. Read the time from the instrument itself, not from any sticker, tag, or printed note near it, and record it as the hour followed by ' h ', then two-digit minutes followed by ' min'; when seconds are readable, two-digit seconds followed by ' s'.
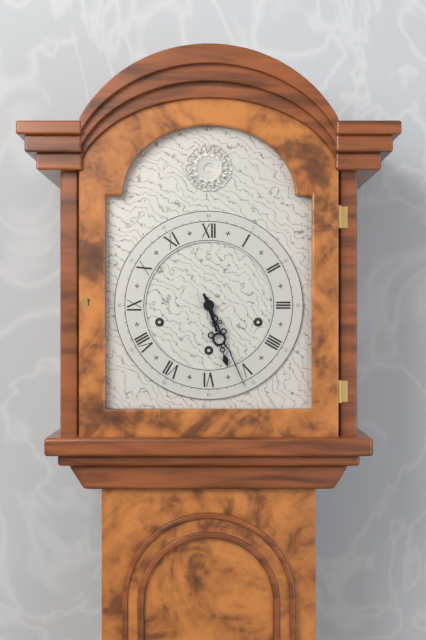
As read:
5 h 26 min
